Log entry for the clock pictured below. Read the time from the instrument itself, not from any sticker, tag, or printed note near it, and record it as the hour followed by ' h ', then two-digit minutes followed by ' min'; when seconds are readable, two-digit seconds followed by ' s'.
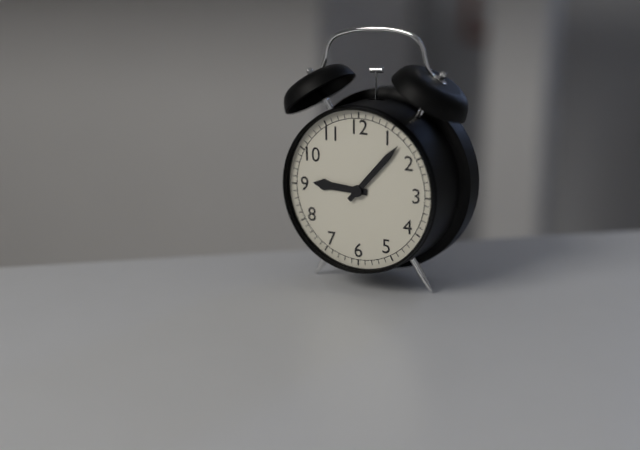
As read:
9 h 07 min
